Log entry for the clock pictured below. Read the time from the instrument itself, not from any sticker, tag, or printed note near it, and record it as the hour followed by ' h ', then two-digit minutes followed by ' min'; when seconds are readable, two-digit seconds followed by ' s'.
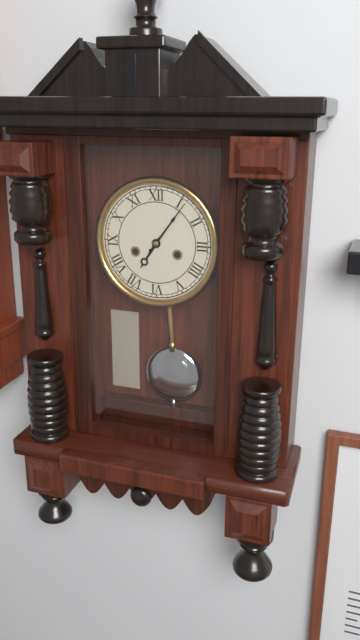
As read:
7 h 06 min
